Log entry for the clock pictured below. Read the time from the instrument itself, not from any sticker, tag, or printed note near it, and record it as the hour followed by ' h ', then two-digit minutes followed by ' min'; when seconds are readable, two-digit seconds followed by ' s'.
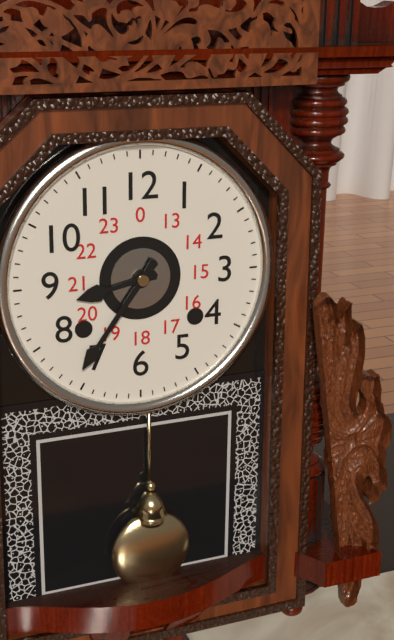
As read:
8 h 36 min
